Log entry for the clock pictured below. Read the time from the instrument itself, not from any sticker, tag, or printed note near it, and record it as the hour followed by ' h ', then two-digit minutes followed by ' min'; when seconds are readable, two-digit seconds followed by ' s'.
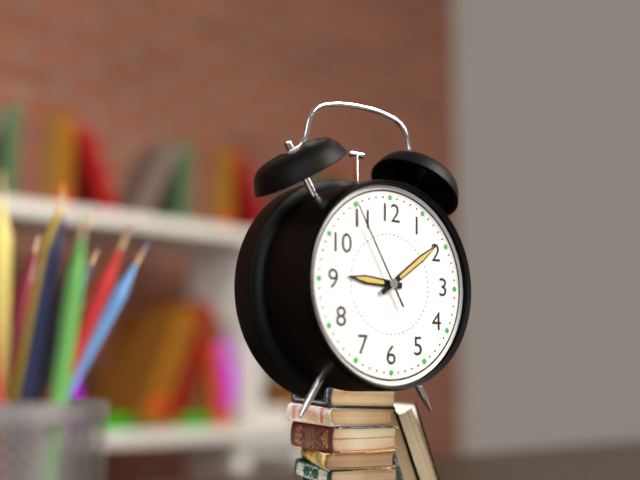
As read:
9 h 09 min 55 s
